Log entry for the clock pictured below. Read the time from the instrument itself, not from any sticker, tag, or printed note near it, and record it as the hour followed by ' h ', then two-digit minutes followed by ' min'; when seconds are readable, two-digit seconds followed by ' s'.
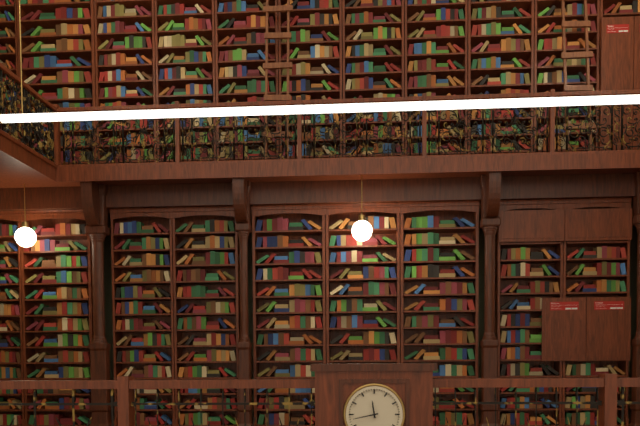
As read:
11 h 43 min
